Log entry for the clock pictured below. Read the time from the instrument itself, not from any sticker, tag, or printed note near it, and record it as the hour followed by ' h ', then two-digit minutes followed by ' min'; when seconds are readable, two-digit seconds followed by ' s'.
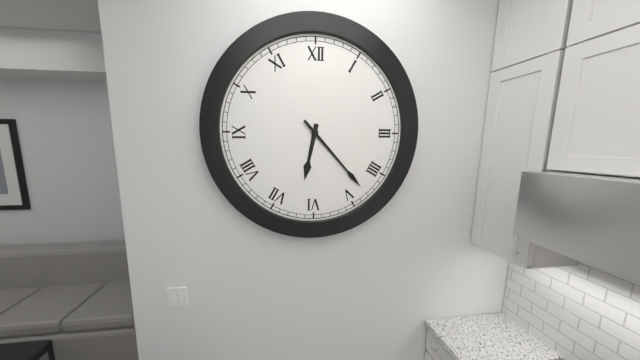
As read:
6 h 23 min
